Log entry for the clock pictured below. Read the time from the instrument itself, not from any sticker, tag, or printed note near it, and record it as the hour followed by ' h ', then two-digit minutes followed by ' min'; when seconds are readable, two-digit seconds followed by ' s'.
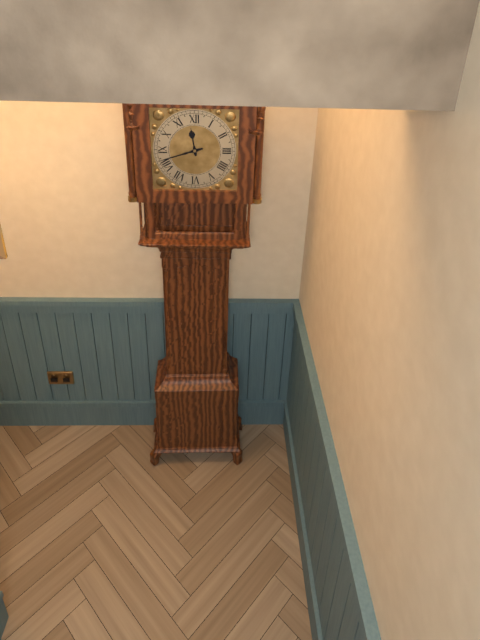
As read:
11 h 42 min
